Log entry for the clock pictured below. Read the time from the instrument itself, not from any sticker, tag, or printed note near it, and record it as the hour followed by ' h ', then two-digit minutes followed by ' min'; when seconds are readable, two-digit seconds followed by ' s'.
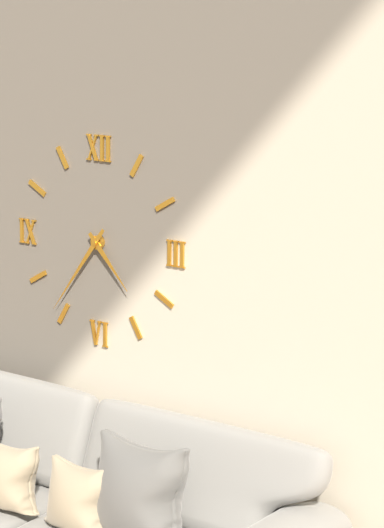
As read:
4 h 36 min
